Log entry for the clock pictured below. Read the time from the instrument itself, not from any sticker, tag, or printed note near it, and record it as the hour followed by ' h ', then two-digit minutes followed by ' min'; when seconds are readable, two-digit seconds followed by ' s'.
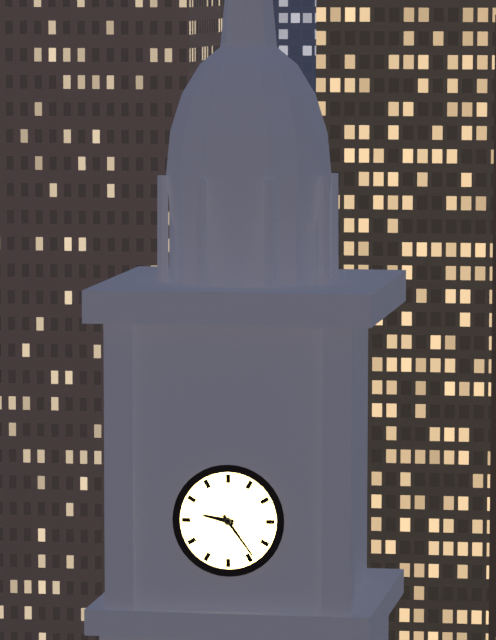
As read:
9 h 24 min
